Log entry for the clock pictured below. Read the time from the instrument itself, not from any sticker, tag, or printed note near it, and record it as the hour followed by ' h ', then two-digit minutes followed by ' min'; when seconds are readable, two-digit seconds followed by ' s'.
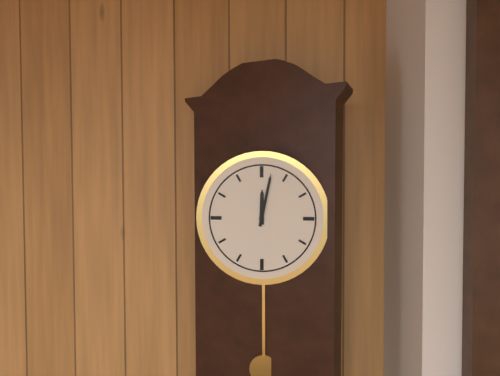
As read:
12 h 02 min
